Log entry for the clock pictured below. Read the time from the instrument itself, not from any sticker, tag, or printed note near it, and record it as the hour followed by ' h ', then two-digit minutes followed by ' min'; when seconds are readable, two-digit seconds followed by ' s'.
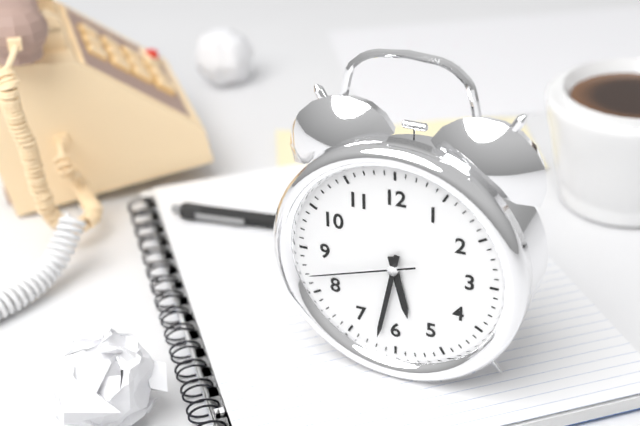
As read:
5 h 32 min 42 s
